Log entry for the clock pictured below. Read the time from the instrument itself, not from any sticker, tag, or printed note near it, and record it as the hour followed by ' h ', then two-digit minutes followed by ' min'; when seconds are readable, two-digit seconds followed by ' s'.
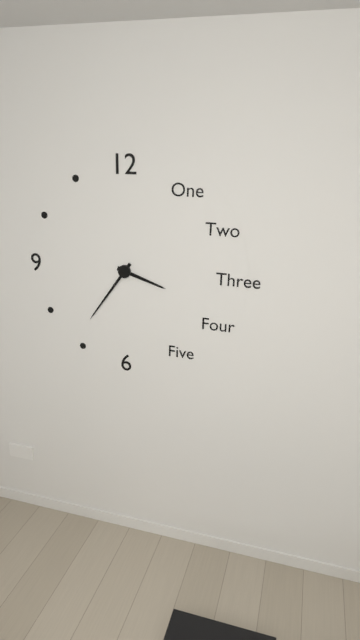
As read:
3 h 36 min
